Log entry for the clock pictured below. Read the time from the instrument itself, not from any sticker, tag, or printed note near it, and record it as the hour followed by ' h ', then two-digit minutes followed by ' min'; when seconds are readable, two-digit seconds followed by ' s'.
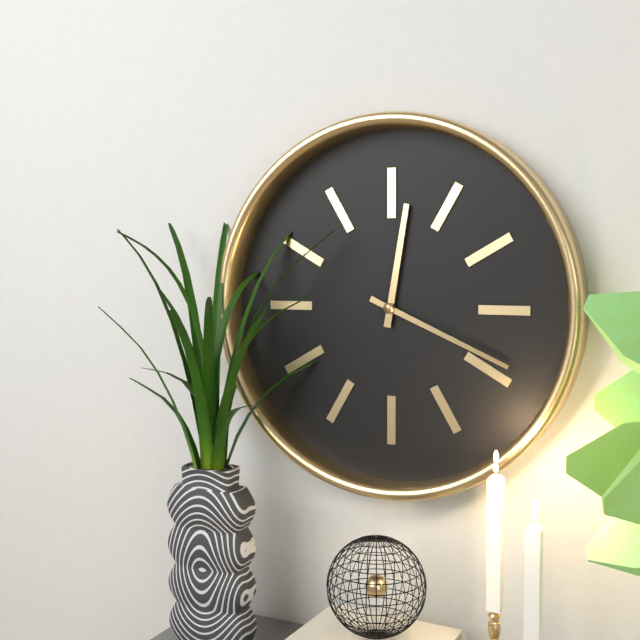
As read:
12 h 19 min
